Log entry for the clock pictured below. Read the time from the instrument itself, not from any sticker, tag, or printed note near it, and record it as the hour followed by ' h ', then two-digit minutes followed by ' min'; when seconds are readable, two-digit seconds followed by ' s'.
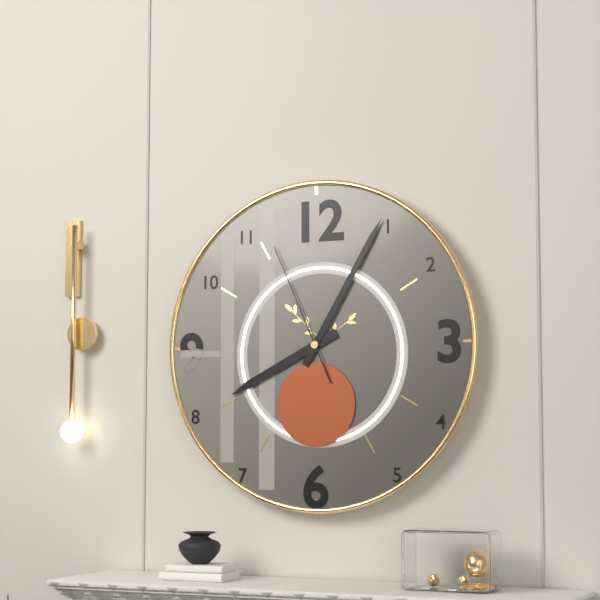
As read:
8 h 05 min 56 s
